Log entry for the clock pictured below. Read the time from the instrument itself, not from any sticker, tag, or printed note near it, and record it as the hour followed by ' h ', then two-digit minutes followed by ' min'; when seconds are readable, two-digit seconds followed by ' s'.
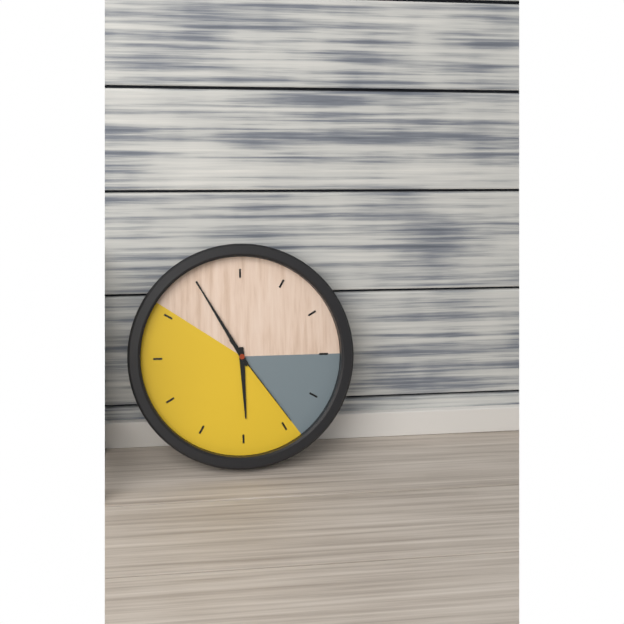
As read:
5 h 55 min 24 s
